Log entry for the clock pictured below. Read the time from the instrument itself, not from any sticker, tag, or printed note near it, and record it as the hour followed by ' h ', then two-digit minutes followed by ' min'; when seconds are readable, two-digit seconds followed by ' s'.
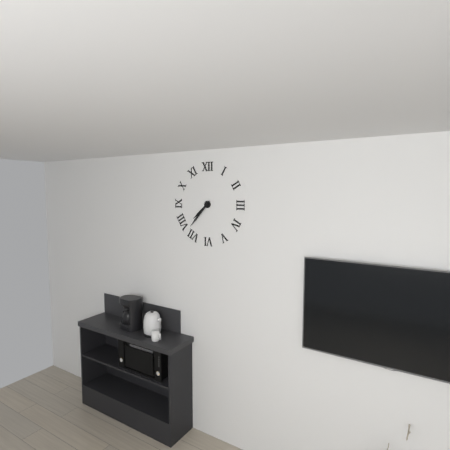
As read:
7 h 37 min
